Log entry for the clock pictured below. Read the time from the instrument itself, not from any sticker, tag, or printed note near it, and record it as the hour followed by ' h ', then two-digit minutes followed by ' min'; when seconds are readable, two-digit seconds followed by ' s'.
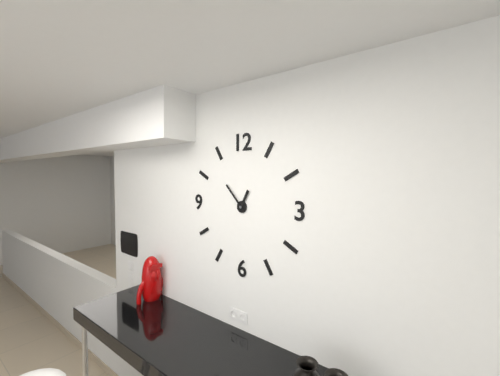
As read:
12 h 53 min
